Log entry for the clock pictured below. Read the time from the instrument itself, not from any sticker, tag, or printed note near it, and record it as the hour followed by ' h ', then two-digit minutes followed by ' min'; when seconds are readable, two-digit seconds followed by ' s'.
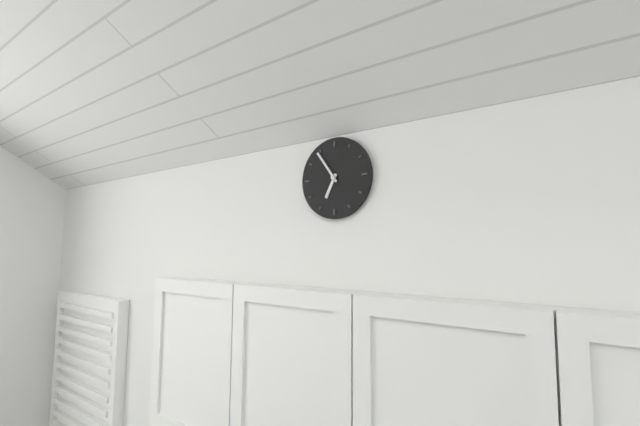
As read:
6 h 54 min
